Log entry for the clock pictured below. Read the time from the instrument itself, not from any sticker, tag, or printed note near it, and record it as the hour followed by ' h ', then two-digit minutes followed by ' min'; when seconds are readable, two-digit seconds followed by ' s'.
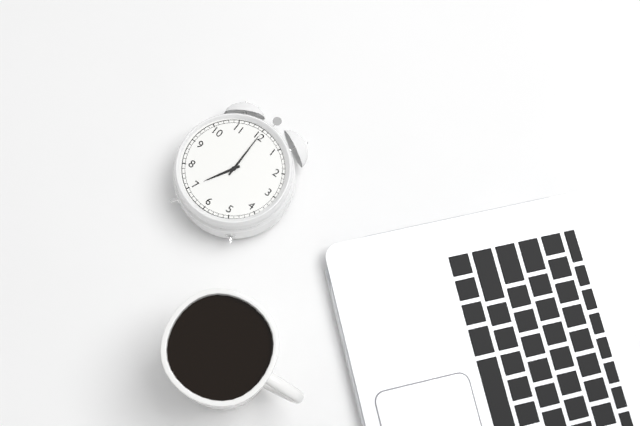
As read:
7 h 00 min
